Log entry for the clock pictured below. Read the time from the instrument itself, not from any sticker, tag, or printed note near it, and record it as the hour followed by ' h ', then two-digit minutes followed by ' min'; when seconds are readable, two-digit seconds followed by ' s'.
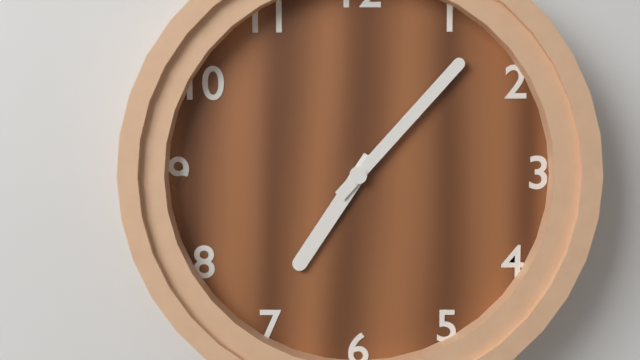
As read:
7 h 07 min
